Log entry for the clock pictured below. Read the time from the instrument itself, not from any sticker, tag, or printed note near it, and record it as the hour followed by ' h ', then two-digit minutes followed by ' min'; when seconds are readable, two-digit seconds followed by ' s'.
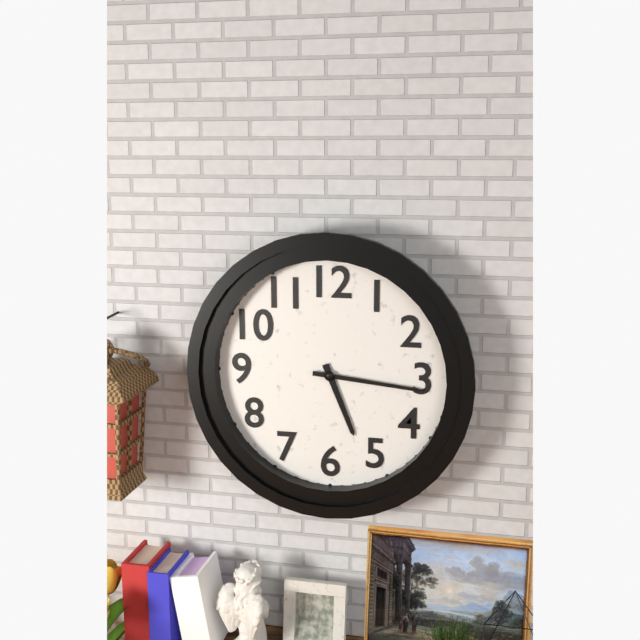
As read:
5 h 16 min
